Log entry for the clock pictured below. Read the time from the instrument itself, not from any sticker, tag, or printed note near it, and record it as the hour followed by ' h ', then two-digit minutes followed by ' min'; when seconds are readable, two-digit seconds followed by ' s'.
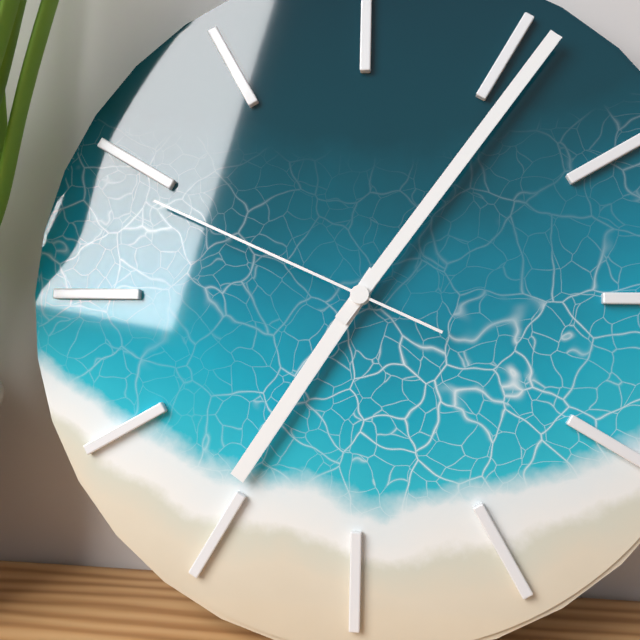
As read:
7 h 06 min 49 s
